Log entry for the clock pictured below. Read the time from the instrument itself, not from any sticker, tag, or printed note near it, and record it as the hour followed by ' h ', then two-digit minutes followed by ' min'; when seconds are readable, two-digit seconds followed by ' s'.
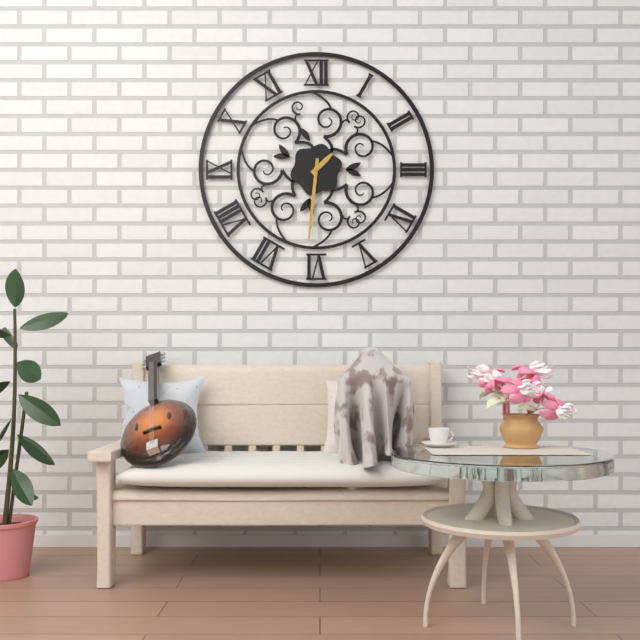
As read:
1 h 31 min
